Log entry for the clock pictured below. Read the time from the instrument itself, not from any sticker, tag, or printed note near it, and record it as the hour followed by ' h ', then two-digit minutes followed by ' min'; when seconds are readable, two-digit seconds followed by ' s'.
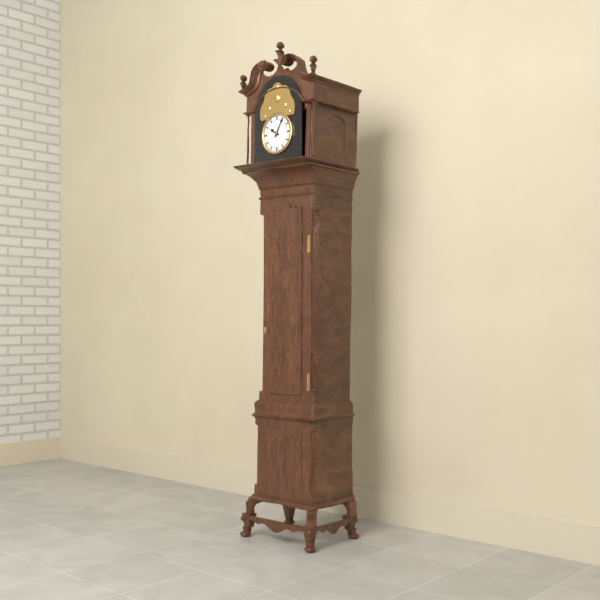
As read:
10 h 05 min
